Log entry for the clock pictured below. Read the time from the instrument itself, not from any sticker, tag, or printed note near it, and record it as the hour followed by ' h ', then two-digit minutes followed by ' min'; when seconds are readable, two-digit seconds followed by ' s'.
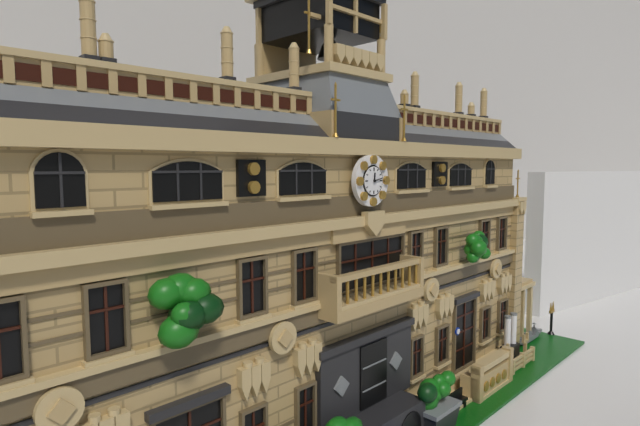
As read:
12 h 13 min
